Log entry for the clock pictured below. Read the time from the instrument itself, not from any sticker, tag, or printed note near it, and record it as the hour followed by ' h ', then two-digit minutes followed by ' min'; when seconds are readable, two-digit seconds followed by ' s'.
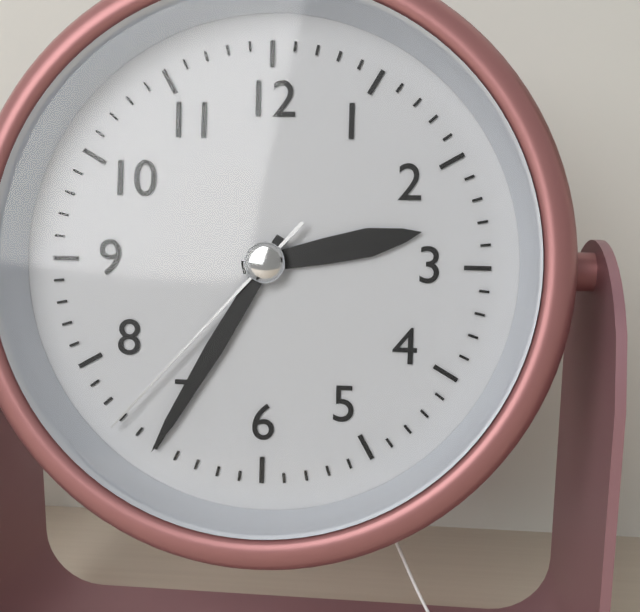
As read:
2 h 35 min 37 s
